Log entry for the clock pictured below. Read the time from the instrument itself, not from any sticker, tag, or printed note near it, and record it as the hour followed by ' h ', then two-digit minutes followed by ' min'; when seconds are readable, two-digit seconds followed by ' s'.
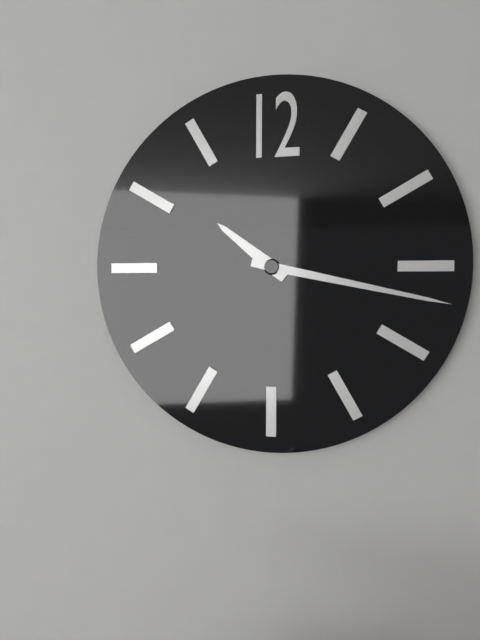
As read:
10 h 17 min
